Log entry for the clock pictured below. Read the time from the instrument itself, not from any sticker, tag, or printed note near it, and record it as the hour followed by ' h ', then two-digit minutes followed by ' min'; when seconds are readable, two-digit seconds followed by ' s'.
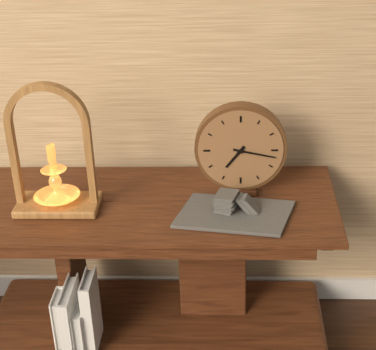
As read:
7 h 17 min
